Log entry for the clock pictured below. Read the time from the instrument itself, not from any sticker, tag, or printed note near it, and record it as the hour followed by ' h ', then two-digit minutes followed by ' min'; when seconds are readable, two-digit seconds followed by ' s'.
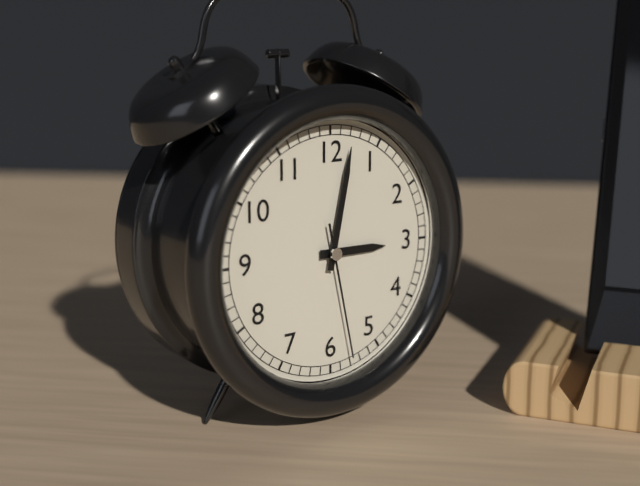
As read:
3 h 02 min 28 s
